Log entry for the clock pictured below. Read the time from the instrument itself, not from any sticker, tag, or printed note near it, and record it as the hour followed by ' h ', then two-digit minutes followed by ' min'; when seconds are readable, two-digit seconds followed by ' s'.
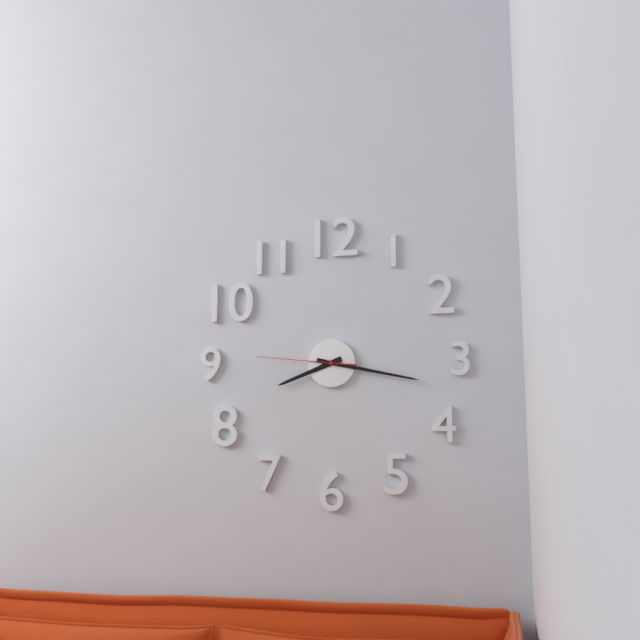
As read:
8 h 17 min 46 s
